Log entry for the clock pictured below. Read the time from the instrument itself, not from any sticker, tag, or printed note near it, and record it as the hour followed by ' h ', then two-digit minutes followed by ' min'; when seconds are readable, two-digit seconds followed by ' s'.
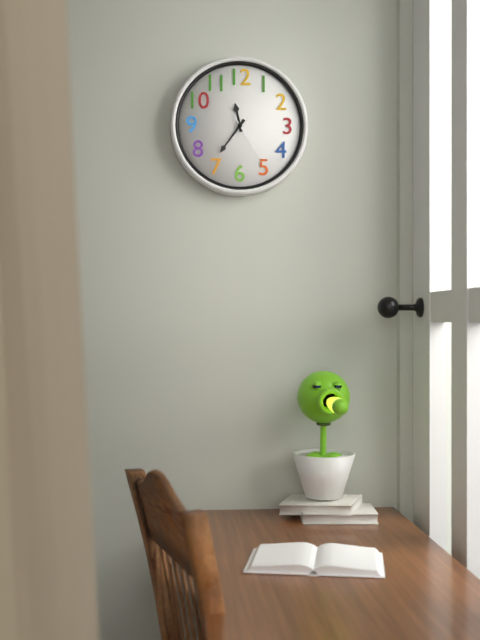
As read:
11 h 36 min 25 s
